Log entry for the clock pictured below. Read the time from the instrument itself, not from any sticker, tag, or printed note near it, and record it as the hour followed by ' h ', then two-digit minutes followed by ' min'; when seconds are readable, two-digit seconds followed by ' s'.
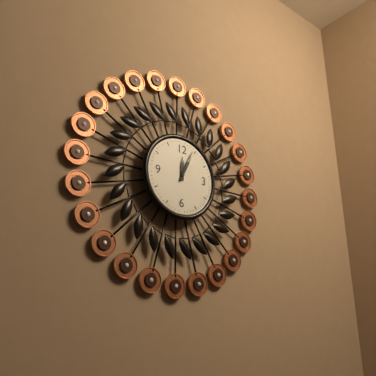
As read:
12 h 04 min
